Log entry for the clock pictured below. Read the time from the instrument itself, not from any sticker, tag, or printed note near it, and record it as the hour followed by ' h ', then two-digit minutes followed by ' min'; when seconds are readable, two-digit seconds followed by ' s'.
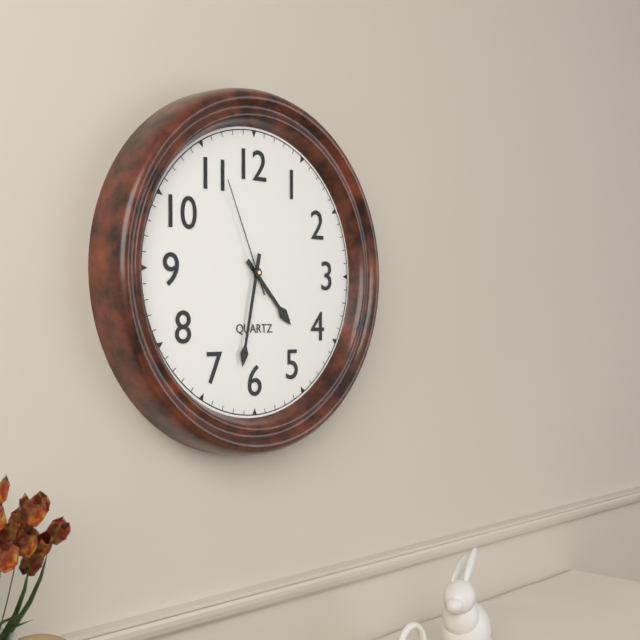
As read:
4 h 32 min 56 s
